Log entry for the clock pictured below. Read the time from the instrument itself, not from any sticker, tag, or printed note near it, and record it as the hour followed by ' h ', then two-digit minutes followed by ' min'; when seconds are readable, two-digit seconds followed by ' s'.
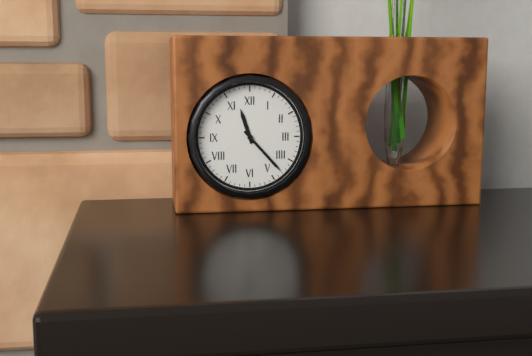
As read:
11 h 23 min
